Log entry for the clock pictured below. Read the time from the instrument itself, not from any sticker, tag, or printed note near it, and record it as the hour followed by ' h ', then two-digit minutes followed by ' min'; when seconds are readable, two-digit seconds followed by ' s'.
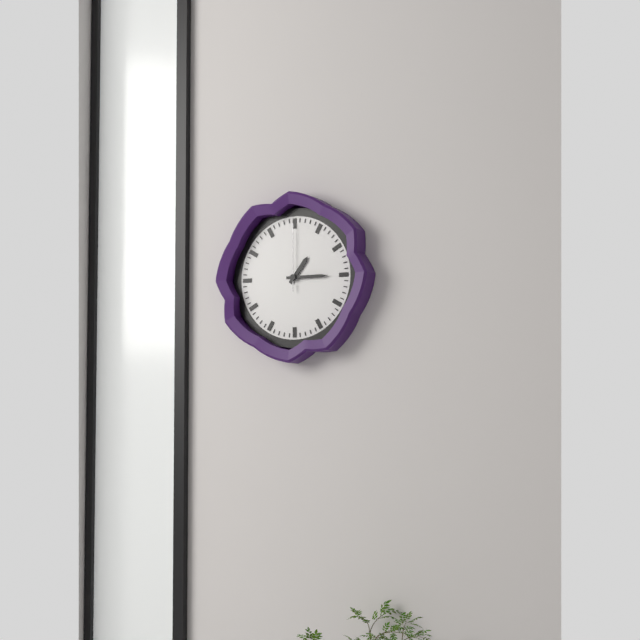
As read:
1 h 15 min 00 s
